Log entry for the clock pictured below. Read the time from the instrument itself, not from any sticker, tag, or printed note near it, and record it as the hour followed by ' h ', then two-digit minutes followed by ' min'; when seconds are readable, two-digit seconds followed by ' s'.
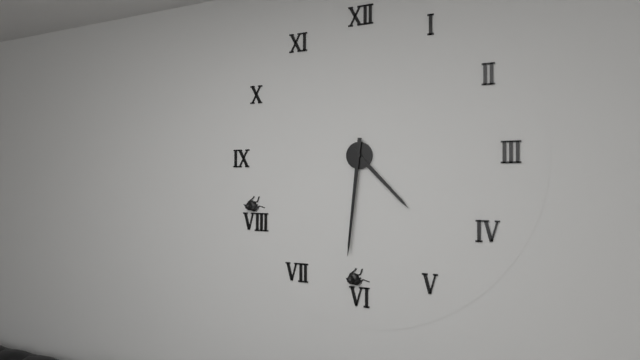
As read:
4 h 31 min
